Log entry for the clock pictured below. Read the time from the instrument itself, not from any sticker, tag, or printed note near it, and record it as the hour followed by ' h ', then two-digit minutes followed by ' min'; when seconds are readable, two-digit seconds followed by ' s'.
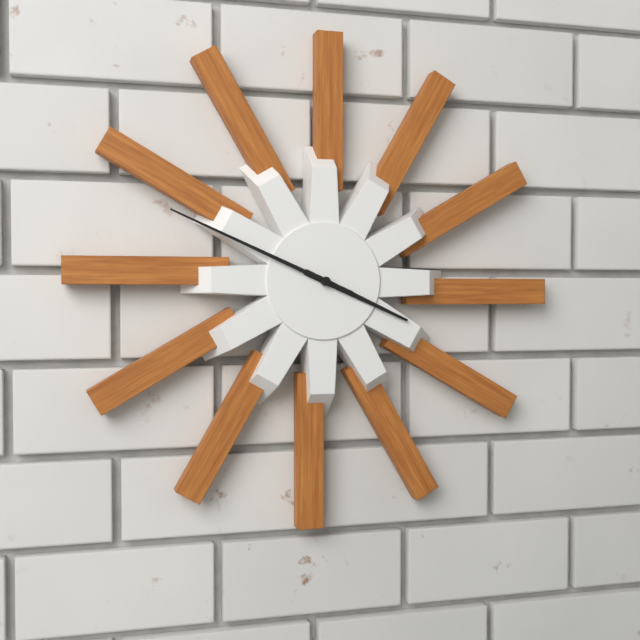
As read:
3 h 49 min
